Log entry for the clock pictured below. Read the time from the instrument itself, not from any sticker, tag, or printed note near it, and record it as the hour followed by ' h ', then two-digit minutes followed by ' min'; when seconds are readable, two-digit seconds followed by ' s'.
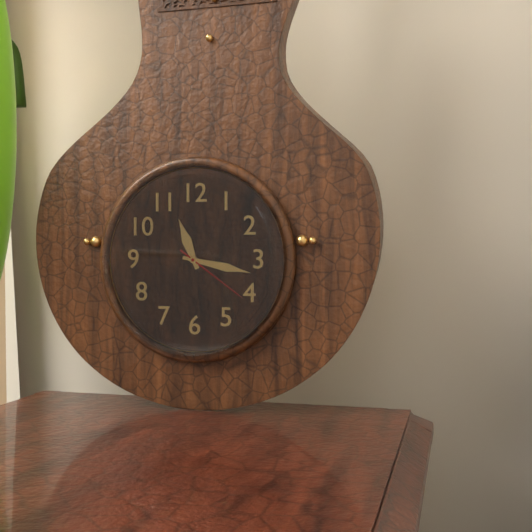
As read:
11 h 17 min 21 s
